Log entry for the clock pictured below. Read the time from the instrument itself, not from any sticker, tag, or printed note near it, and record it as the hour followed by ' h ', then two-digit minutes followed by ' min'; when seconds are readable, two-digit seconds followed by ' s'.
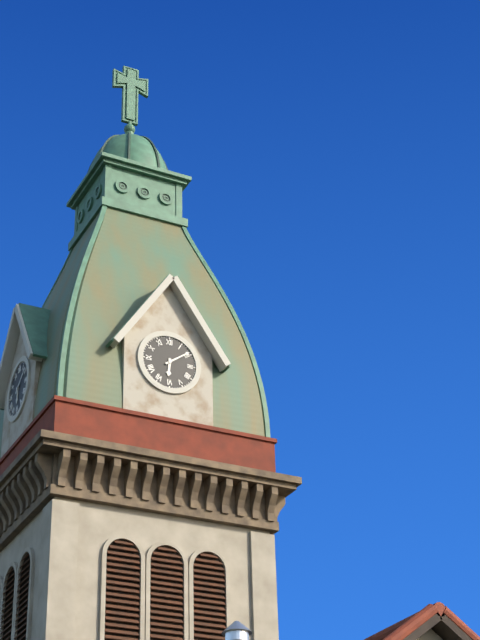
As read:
6 h 09 min
